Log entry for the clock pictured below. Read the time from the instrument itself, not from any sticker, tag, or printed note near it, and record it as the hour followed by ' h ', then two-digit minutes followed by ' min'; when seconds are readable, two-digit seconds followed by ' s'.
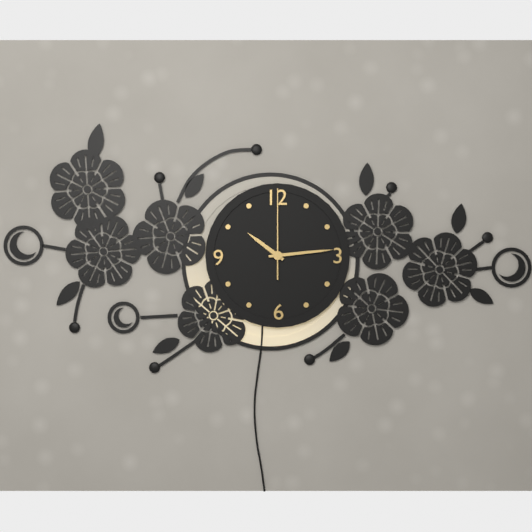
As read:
10 h 14 min 00 s
